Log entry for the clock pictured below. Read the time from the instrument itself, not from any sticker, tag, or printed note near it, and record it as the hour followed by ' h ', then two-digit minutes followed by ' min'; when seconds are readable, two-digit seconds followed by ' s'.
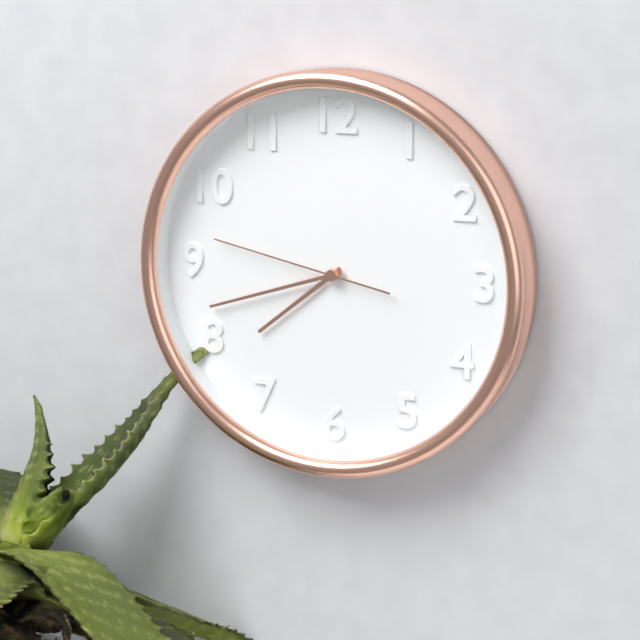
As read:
7 h 42 min 47 s
